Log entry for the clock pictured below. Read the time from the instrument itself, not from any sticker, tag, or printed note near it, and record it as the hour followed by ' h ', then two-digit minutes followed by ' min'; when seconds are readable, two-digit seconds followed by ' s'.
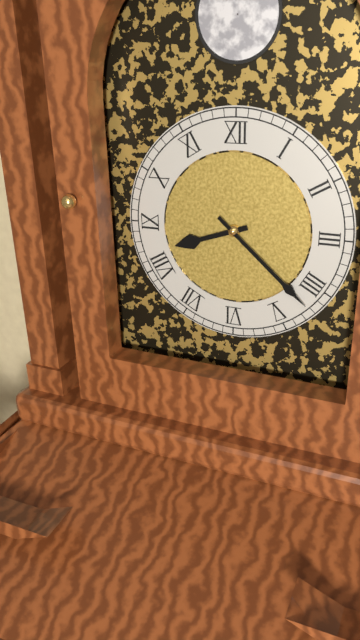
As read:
8 h 22 min
